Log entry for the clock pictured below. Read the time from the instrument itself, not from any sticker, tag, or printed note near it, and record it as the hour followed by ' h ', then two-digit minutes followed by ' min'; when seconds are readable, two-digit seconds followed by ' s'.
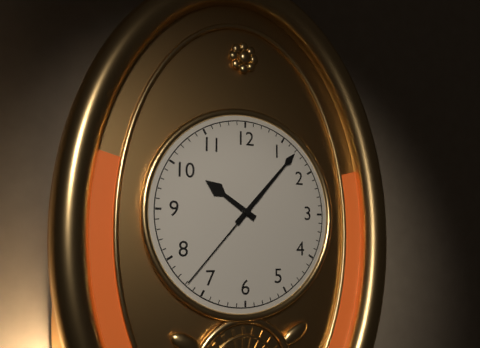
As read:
10 h 07 min 37 s
